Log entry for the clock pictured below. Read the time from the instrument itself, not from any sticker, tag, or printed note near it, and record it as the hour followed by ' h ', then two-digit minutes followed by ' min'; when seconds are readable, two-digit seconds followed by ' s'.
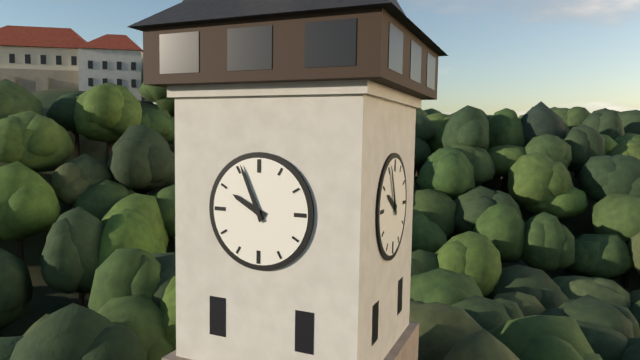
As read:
9 h 56 min
